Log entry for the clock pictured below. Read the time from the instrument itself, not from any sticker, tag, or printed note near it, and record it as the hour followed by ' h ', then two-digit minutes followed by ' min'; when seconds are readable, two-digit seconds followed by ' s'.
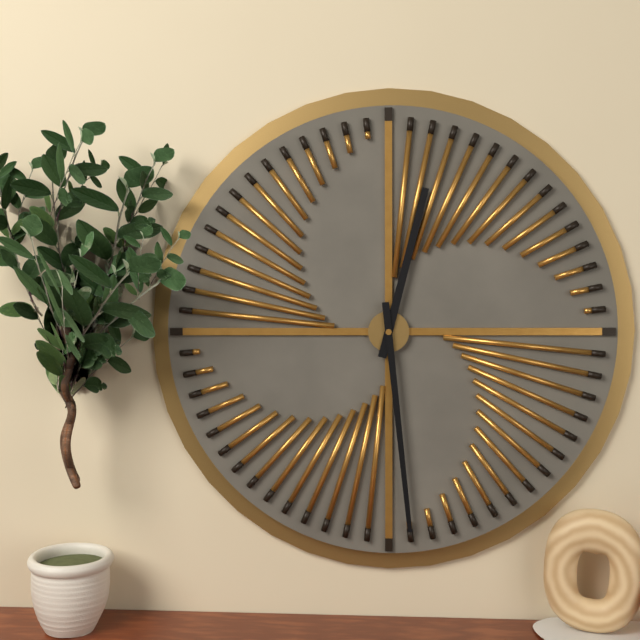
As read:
12 h 29 min
